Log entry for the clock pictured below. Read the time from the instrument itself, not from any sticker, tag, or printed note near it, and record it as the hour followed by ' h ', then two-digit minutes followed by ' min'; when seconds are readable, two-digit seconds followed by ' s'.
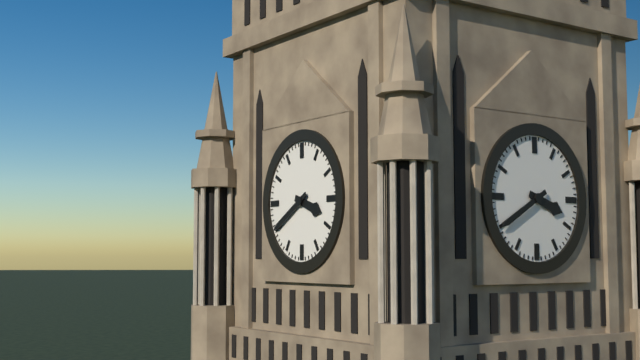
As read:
3 h 40 min
